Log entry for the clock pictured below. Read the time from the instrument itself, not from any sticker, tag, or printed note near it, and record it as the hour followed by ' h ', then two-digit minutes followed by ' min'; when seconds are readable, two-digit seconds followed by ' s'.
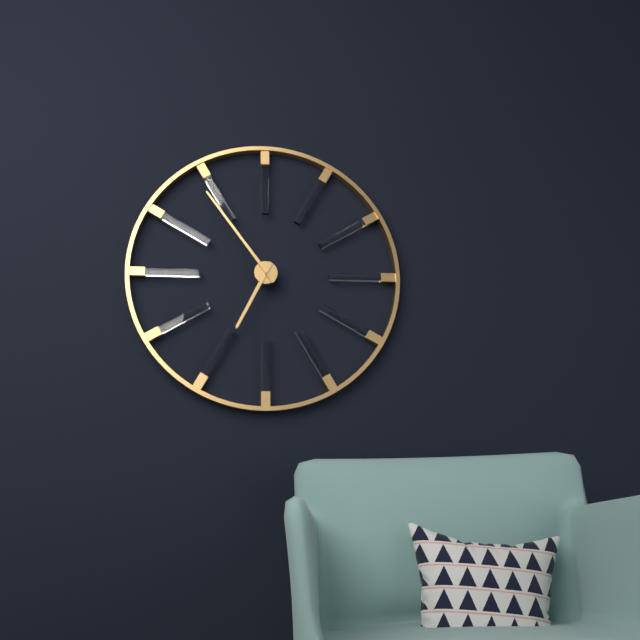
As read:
6 h 54 min
